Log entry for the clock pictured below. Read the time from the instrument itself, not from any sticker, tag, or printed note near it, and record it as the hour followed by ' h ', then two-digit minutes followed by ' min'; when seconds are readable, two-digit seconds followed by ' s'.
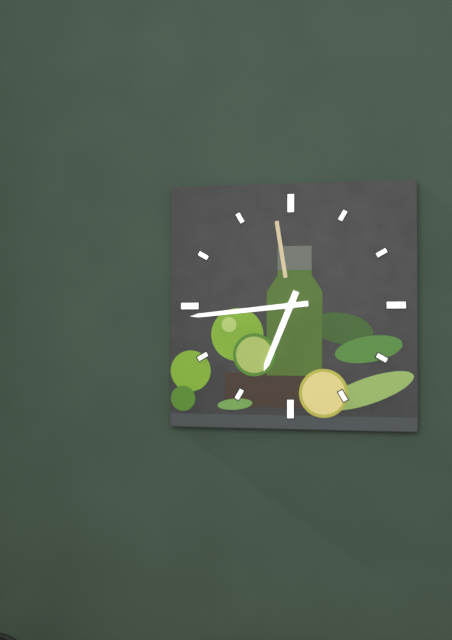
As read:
6 h 44 min
